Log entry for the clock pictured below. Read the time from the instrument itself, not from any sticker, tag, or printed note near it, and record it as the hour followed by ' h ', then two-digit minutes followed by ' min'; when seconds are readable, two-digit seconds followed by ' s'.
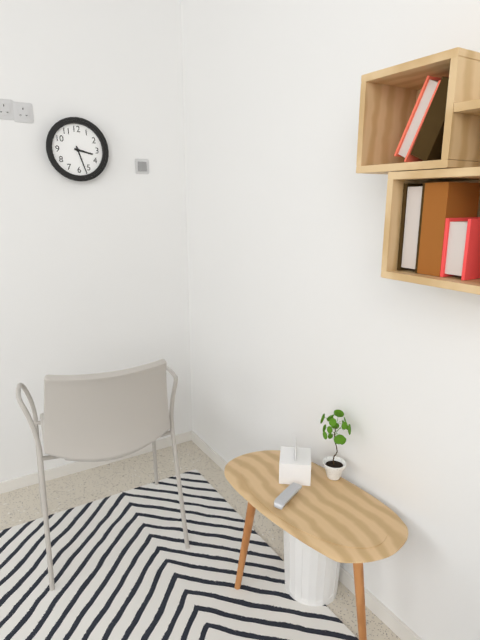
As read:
3 h 27 min
